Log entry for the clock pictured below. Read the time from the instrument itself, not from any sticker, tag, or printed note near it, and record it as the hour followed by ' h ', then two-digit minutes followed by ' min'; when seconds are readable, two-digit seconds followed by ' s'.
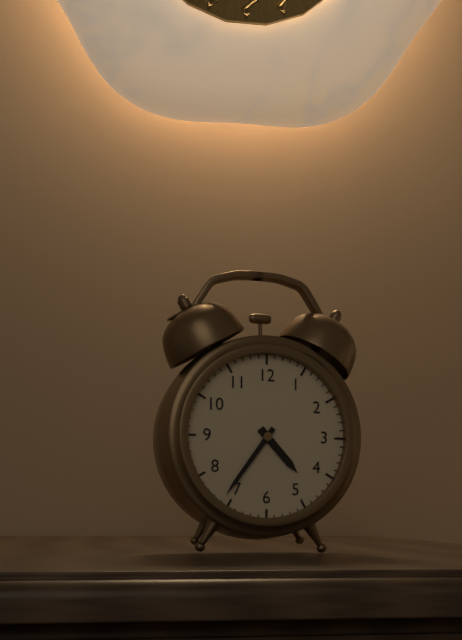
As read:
4 h 36 min
